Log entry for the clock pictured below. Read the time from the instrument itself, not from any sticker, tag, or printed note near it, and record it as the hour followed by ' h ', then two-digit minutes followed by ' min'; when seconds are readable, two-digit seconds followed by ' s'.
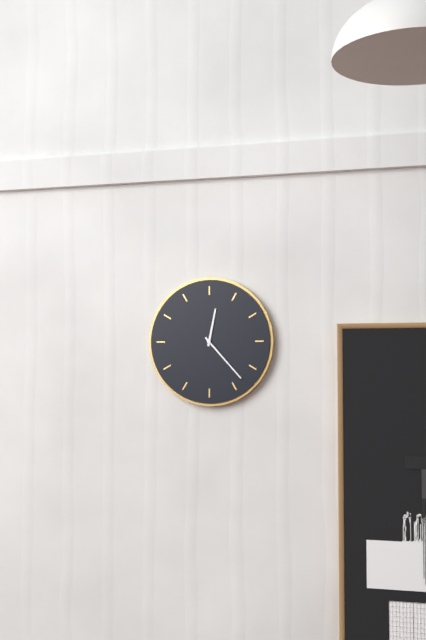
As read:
12 h 23 min
